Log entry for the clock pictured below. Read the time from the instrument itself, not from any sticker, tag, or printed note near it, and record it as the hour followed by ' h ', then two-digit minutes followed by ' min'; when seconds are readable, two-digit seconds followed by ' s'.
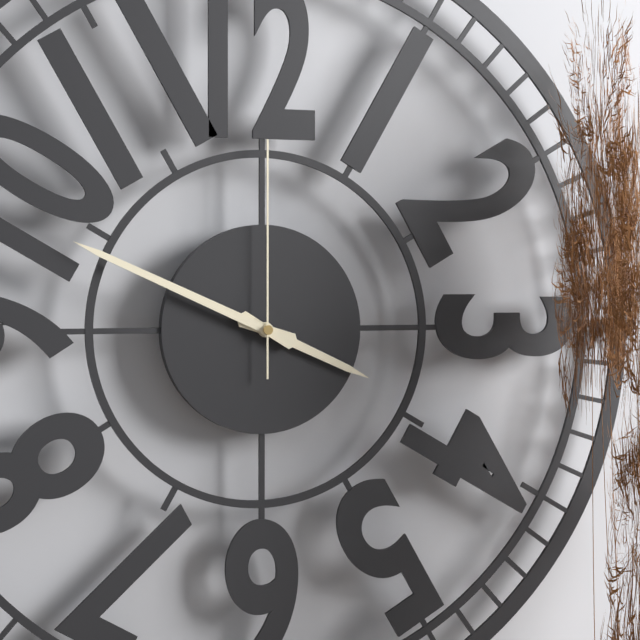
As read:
3 h 49 min 00 s
